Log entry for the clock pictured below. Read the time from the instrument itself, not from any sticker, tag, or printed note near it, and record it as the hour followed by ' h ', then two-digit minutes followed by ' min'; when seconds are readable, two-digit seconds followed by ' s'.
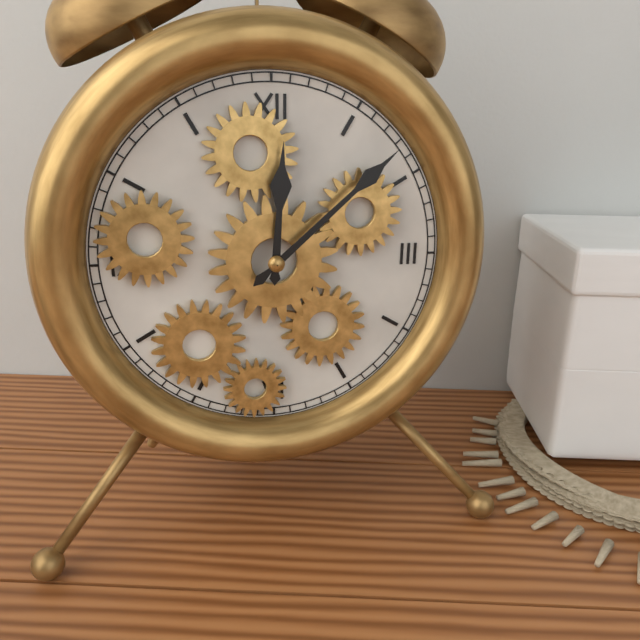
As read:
12 h 08 min
